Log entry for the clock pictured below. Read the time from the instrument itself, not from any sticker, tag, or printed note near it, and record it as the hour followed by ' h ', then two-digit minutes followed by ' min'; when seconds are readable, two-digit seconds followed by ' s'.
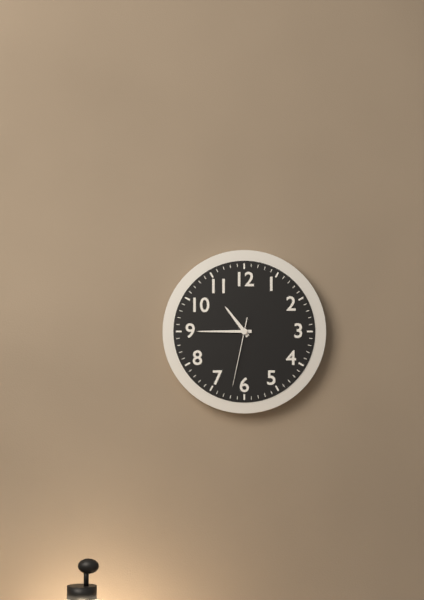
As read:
10 h 45 min 32 s
